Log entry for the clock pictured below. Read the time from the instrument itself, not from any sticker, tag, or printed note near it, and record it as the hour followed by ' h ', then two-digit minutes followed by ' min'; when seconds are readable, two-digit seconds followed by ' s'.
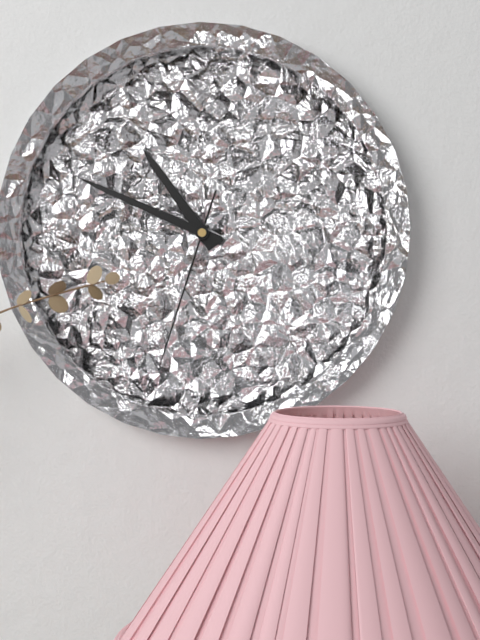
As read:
10 h 49 min 33 s
